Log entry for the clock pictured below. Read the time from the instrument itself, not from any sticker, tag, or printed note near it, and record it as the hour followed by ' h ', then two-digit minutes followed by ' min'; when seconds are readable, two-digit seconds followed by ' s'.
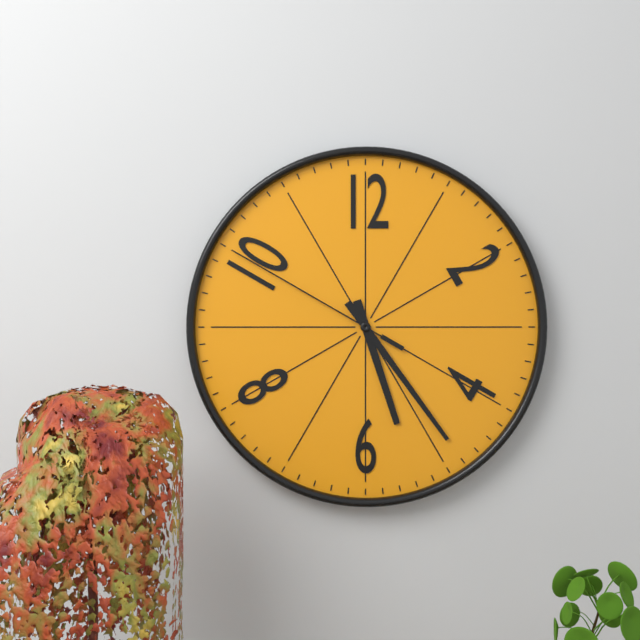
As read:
5 h 24 min 50 s
